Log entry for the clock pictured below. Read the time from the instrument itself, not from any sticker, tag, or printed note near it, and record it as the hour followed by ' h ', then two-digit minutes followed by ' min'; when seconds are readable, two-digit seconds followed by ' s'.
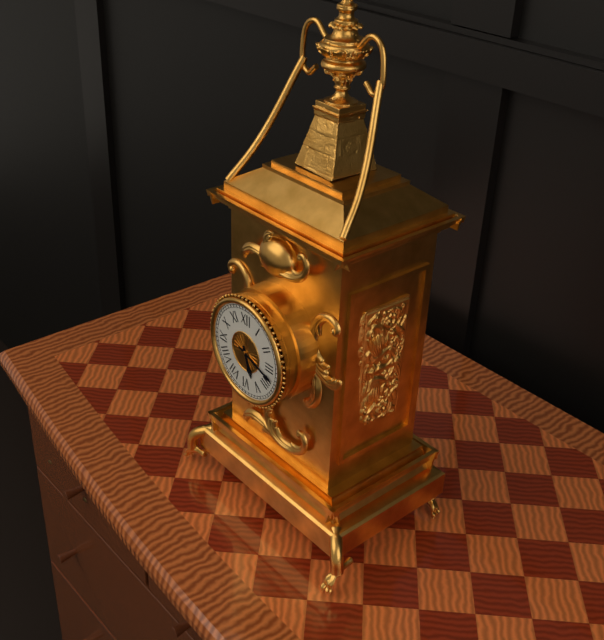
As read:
5 h 18 min
